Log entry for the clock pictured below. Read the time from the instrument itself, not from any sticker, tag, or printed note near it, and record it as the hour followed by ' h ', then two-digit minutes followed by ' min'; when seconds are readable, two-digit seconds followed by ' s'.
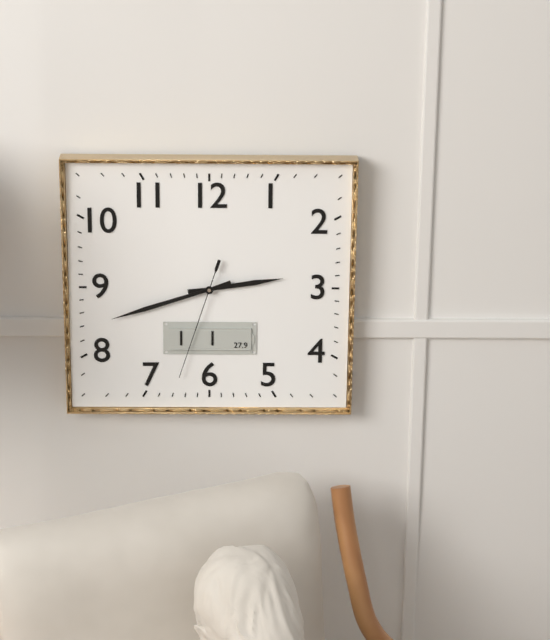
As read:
2 h 42 min 33 s
